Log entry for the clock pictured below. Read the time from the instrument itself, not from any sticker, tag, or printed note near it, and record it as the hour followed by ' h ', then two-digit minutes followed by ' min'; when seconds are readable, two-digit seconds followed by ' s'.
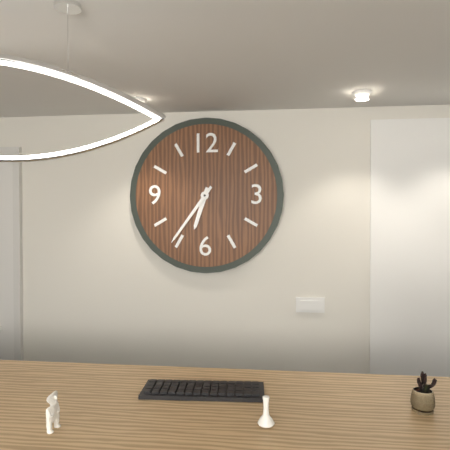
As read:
6 h 36 min
